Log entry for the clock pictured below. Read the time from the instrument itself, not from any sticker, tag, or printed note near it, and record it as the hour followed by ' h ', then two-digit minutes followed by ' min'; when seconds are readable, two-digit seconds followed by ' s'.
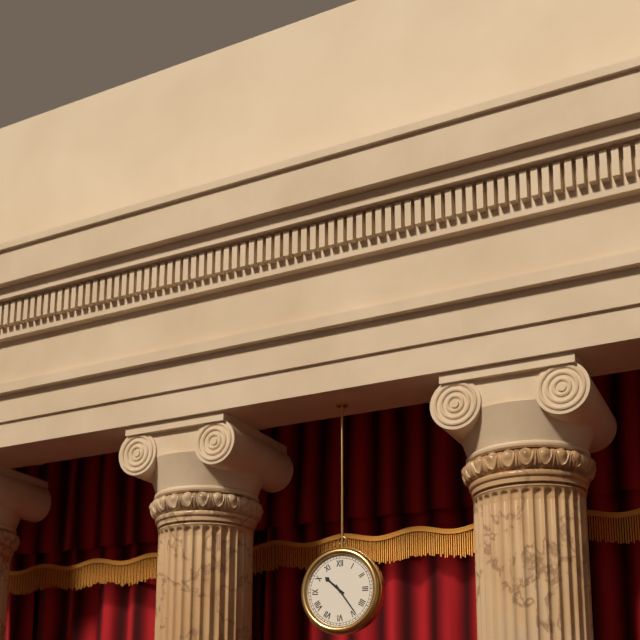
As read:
10 h 24 min
